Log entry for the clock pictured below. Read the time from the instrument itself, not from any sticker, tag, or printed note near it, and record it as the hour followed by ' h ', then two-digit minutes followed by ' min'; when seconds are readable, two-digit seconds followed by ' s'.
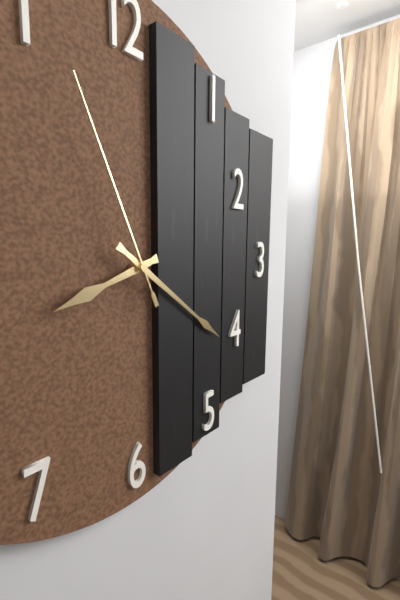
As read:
8 h 21 min 56 s
